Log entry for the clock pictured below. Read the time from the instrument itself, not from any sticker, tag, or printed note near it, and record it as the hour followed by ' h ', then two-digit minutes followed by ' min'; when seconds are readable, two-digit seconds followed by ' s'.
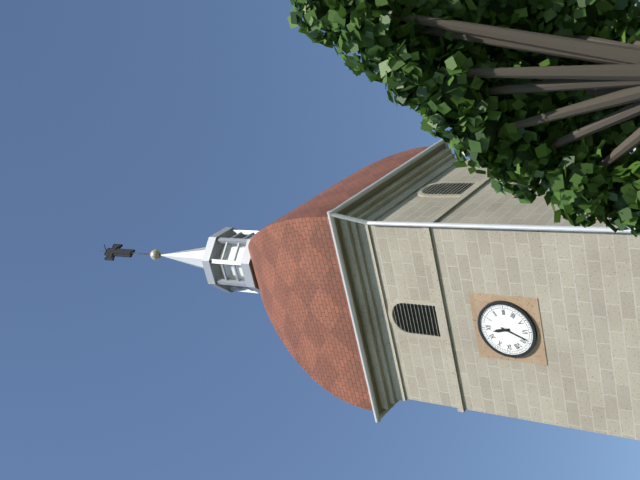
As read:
11 h 34 min
